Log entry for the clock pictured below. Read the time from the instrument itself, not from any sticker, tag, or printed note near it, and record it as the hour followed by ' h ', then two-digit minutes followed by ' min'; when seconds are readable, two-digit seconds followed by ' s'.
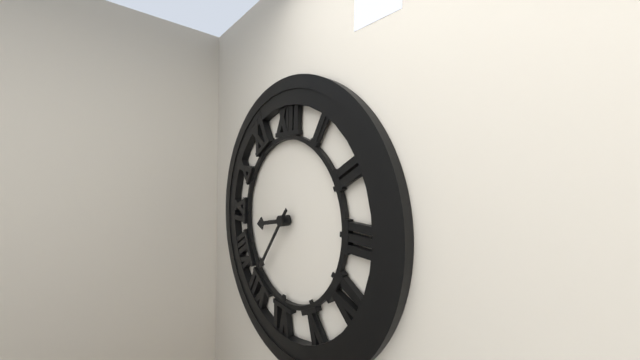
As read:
8 h 36 min
